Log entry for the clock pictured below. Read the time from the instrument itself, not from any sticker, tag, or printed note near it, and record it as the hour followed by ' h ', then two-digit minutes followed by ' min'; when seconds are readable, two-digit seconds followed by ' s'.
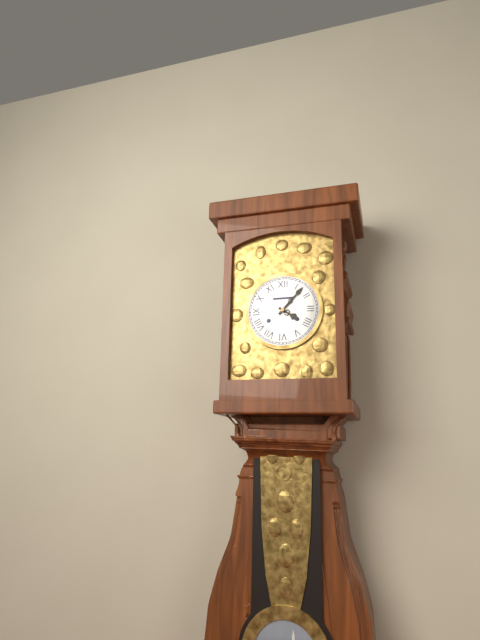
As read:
4 h 07 min
